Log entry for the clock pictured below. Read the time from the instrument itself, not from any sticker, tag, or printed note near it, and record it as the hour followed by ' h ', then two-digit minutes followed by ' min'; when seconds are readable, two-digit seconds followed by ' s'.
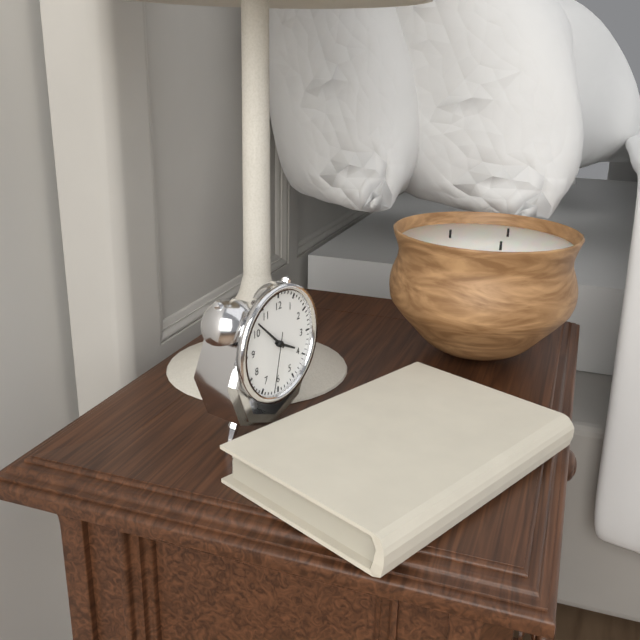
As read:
3 h 52 min 32 s
